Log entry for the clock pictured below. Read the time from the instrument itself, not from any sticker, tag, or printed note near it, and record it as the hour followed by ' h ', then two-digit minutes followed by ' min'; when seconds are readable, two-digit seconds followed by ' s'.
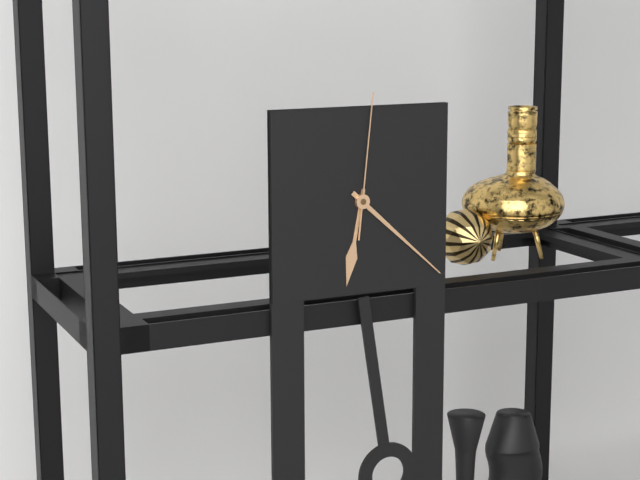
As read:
6 h 22 min 01 s
